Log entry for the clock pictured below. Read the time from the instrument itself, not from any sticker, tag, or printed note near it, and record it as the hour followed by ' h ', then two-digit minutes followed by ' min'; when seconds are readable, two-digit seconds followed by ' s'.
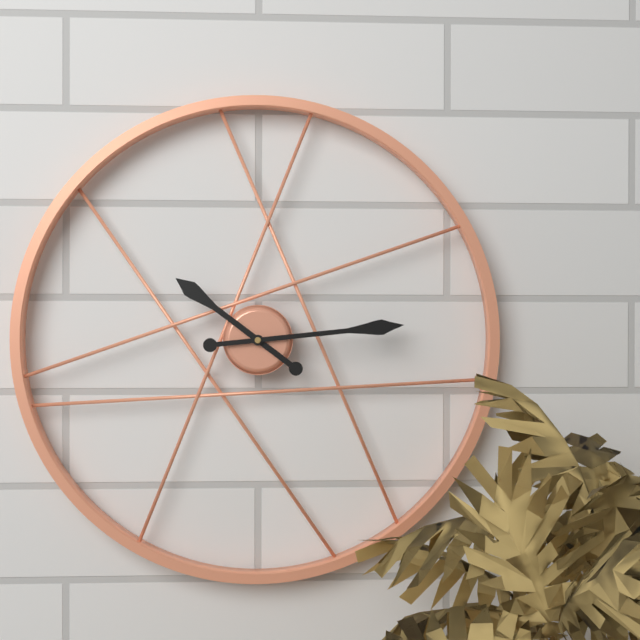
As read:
10 h 14 min
